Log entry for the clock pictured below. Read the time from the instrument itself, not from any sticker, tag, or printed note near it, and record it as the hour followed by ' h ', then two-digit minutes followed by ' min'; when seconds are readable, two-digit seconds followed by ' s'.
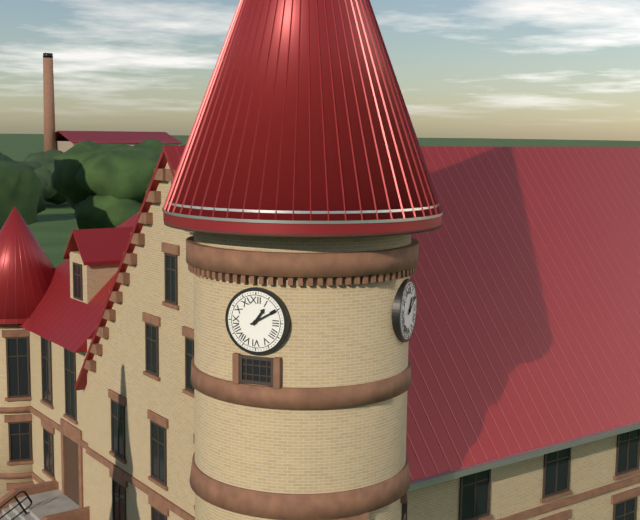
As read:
1 h 10 min
